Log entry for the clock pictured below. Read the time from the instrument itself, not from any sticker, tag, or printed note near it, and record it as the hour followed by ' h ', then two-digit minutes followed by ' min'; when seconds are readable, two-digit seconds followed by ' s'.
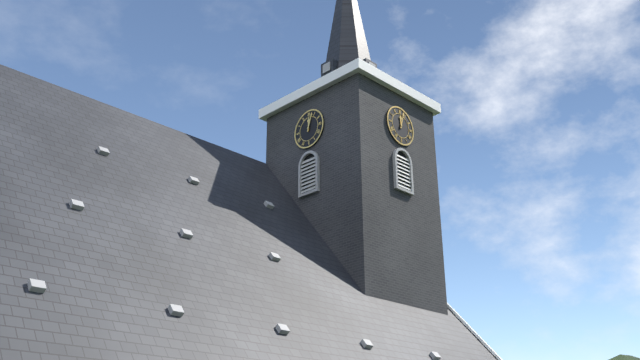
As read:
12 h 03 min
